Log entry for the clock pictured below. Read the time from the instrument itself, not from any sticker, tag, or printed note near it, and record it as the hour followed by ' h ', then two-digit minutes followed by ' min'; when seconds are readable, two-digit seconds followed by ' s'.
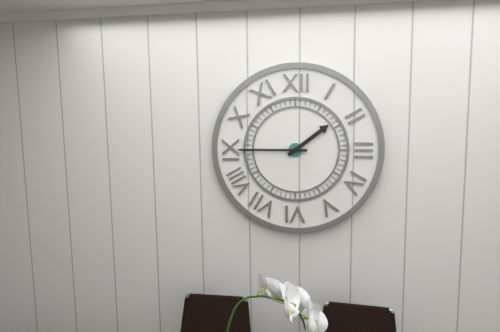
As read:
1 h 45 min
